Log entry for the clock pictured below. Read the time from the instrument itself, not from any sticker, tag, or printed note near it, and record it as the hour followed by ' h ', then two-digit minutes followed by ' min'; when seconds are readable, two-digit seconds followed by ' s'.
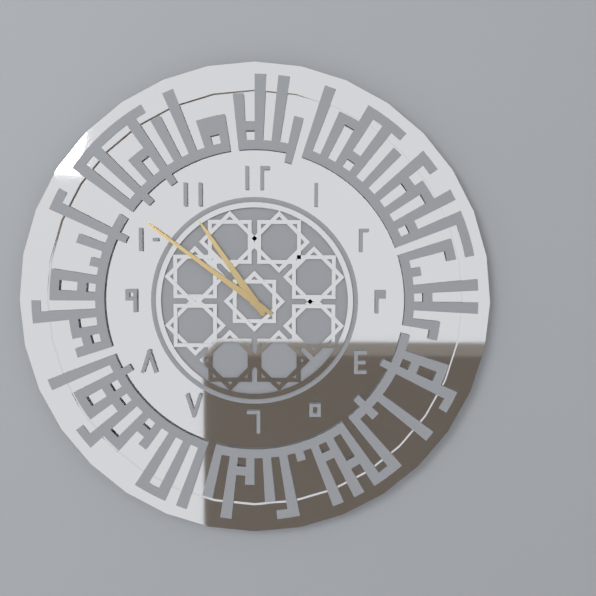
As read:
10 h 51 min
